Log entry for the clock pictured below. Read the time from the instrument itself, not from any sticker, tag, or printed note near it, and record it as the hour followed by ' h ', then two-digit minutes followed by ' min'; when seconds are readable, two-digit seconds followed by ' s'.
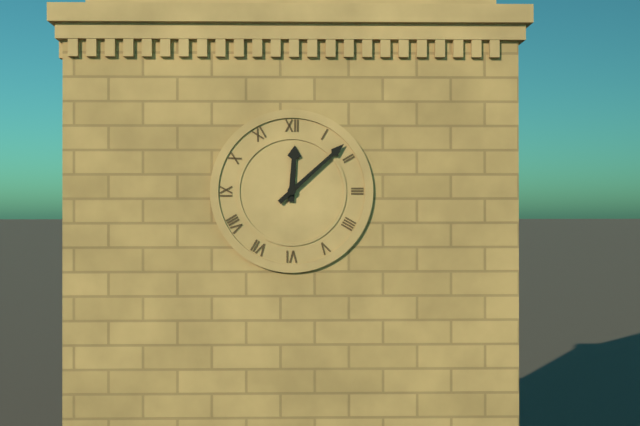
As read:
12 h 08 min
